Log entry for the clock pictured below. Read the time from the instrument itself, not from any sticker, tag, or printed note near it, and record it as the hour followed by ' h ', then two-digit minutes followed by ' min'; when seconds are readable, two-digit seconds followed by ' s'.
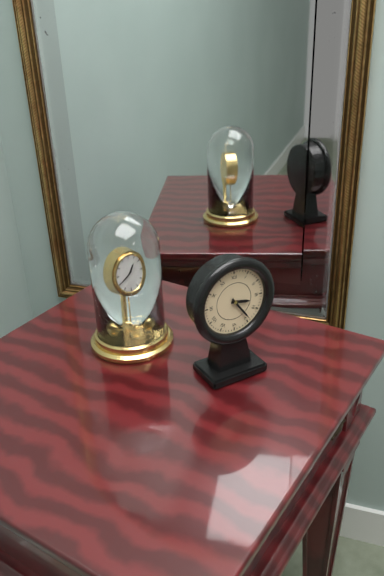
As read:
3 h 24 min
